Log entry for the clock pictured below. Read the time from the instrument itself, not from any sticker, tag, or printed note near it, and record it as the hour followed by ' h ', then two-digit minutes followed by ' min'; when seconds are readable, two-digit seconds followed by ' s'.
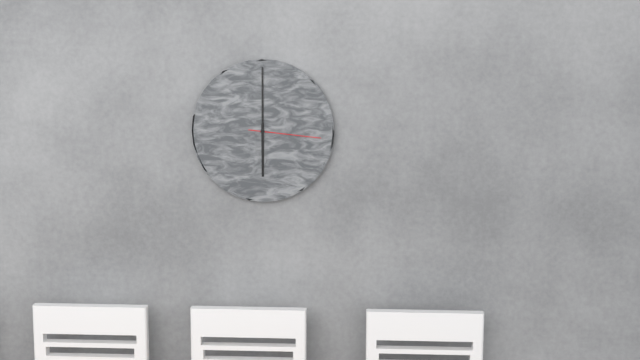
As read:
6 h 00 min 16 s
